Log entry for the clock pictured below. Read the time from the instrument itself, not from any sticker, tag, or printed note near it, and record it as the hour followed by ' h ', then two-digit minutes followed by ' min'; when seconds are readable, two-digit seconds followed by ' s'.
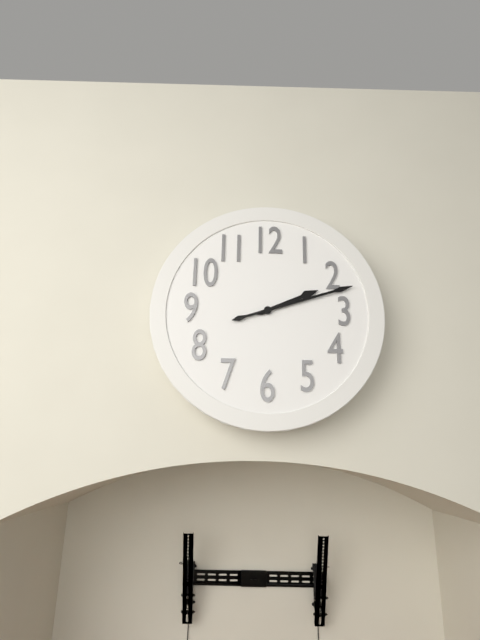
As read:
2 h 12 min
